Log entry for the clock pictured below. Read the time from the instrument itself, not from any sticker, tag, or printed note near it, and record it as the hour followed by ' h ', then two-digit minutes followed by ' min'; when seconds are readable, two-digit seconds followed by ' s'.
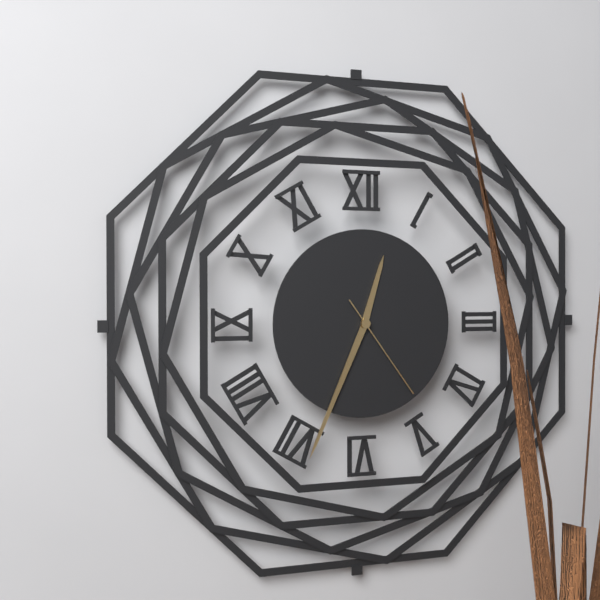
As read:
12 h 34 min 24 s
